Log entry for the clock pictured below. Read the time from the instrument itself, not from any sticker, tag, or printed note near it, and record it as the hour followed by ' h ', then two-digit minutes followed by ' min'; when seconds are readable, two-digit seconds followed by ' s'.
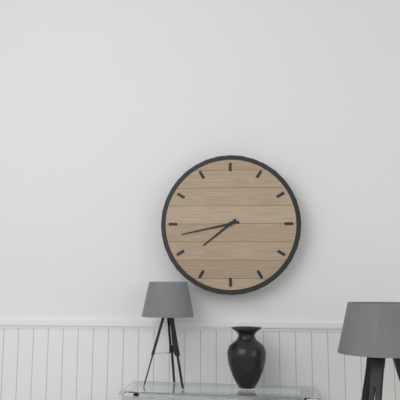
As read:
7 h 43 min
